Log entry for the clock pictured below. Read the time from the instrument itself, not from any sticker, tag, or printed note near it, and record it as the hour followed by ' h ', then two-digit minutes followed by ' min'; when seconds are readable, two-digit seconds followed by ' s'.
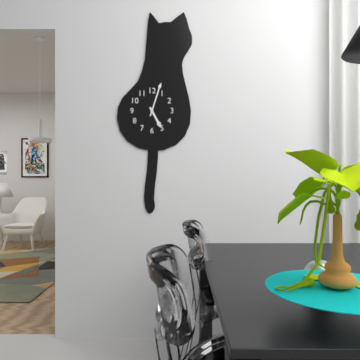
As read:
5 h 03 min
